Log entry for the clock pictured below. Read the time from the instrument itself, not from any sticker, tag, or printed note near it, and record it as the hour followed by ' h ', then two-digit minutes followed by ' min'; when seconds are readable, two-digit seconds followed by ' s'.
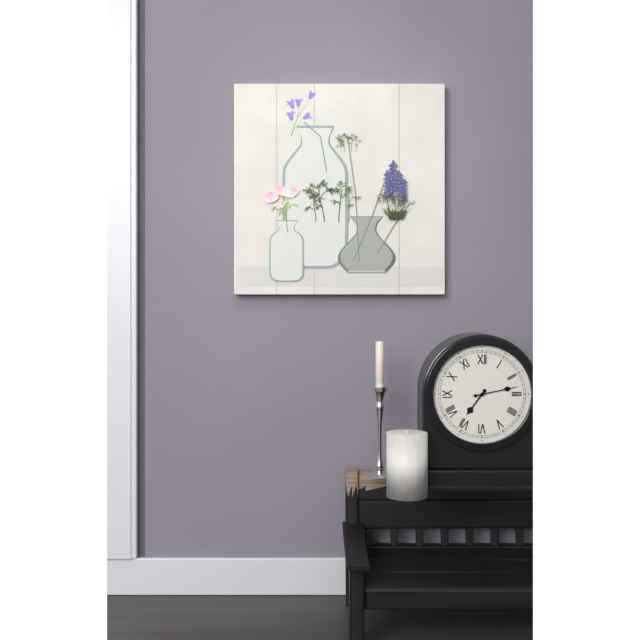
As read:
7 h 13 min
